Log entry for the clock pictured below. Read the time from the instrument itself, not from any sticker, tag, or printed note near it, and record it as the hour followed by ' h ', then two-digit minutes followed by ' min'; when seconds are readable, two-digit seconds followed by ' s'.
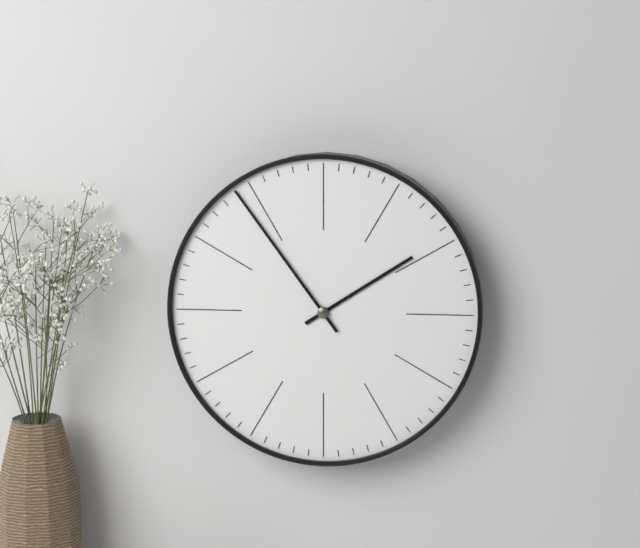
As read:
1 h 54 min
